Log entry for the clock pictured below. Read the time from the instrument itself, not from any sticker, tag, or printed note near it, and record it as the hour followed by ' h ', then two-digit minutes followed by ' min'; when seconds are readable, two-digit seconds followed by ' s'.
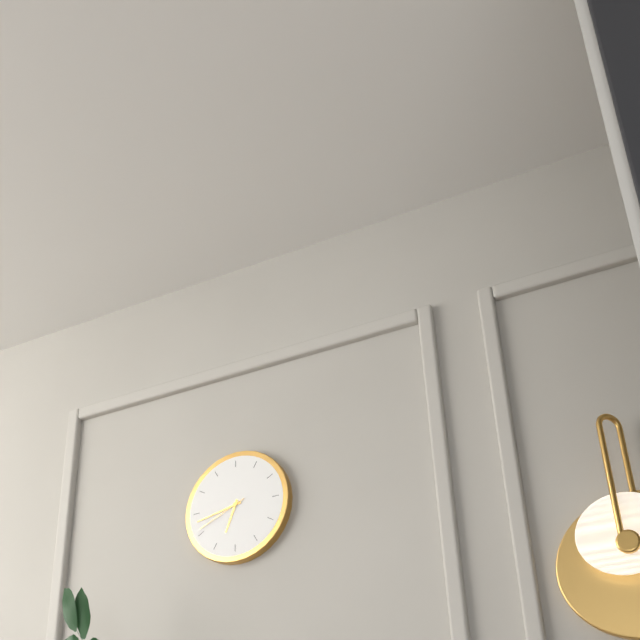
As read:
6 h 43 min 41 s
